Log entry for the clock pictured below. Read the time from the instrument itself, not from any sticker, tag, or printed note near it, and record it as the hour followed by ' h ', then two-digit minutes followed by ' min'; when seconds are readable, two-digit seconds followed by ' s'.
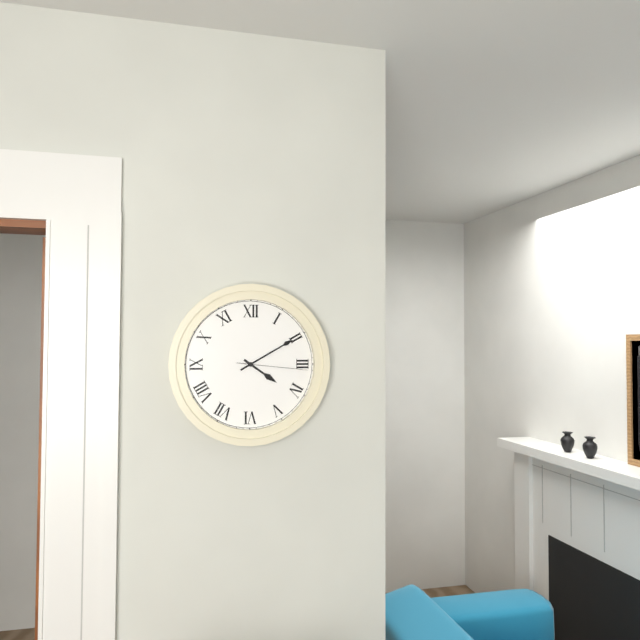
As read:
4 h 10 min 16 s
